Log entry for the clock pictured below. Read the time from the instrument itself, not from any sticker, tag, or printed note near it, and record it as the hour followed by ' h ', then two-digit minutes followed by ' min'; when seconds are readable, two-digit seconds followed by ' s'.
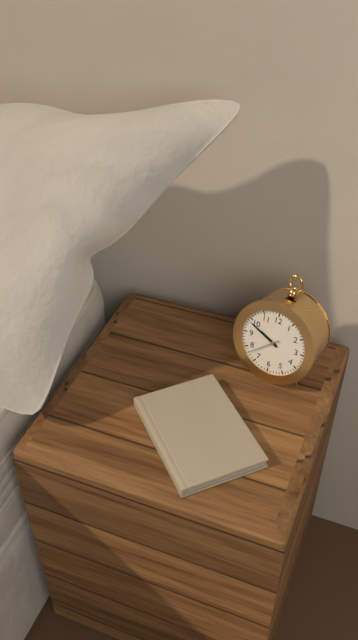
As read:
9 h 49 min
